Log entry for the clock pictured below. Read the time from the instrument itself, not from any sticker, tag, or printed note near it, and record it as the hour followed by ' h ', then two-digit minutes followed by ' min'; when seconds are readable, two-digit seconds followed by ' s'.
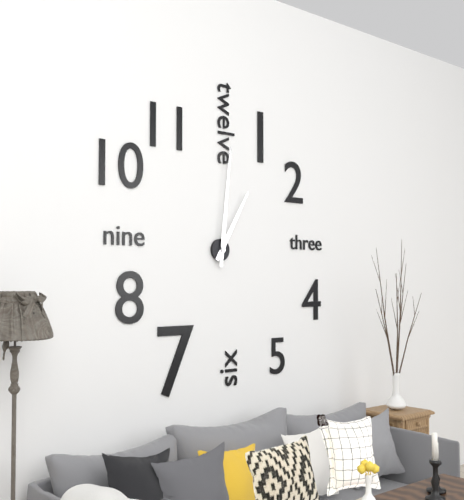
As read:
1 h 01 min
